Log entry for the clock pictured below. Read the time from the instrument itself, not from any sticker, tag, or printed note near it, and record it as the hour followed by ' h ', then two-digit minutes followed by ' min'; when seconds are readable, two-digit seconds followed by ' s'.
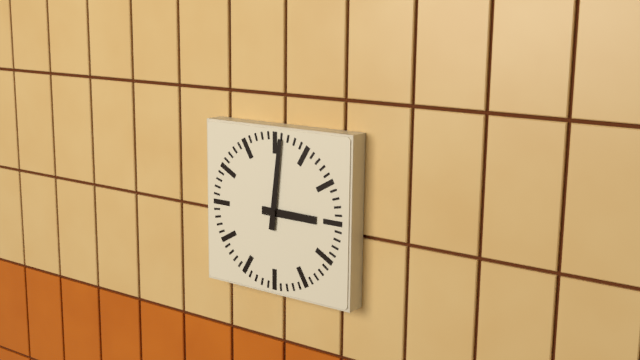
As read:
3 h 01 min
